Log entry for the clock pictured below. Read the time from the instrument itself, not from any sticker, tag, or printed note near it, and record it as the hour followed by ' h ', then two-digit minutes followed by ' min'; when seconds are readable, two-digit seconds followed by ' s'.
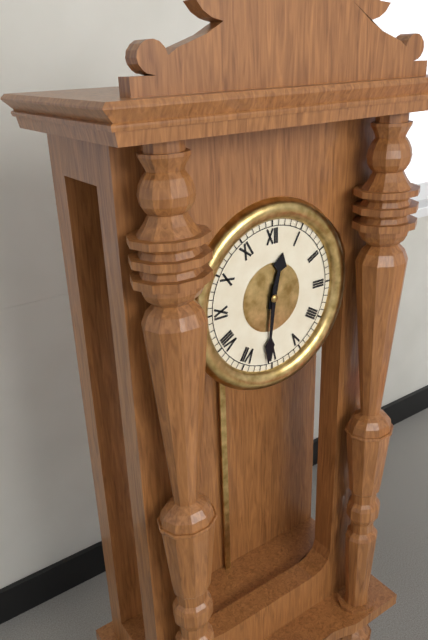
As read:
12 h 31 min
